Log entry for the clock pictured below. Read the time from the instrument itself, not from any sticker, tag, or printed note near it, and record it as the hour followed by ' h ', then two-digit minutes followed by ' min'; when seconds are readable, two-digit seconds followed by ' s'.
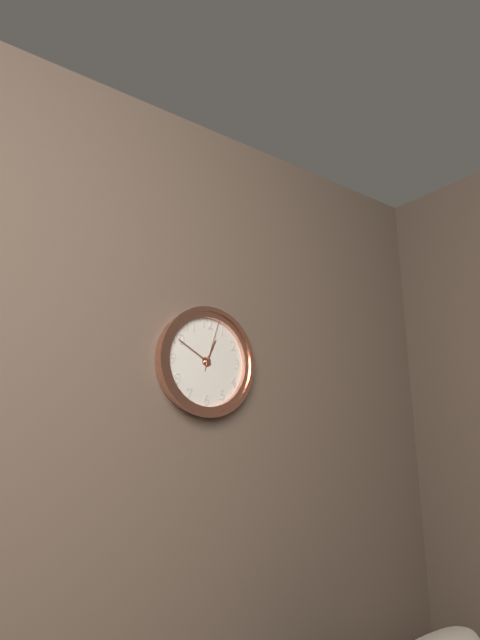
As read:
12 h 50 min 03 s
